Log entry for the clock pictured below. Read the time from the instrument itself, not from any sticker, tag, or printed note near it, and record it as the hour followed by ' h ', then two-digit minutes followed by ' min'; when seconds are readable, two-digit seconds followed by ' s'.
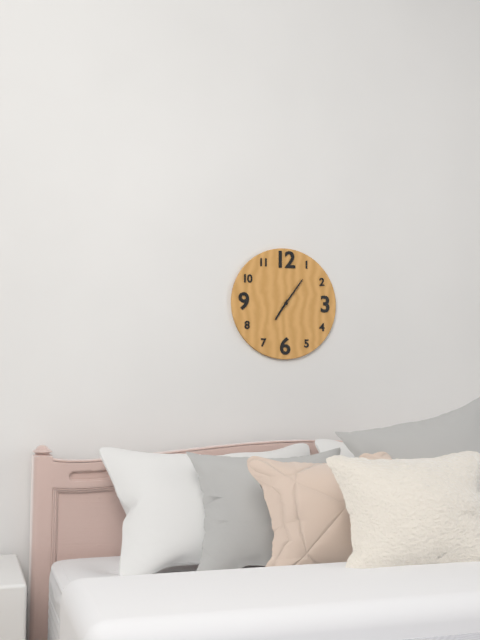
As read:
7 h 06 min
